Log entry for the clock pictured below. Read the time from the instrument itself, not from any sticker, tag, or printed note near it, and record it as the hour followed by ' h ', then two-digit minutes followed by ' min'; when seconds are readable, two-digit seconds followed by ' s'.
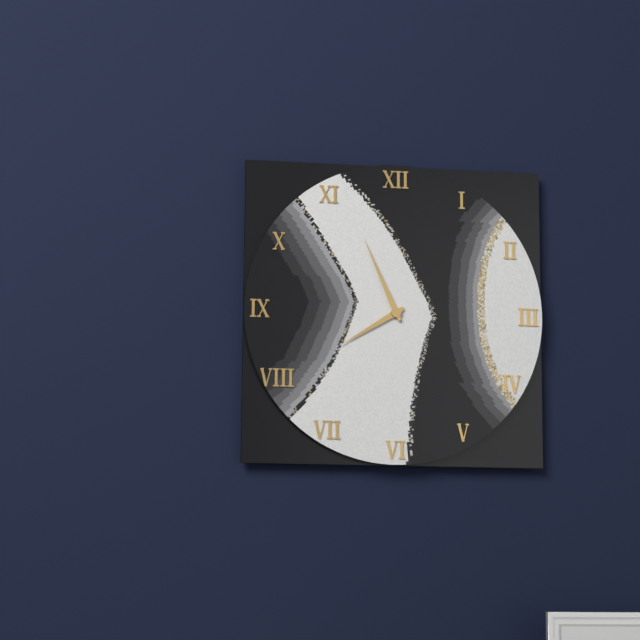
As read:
7 h 56 min
